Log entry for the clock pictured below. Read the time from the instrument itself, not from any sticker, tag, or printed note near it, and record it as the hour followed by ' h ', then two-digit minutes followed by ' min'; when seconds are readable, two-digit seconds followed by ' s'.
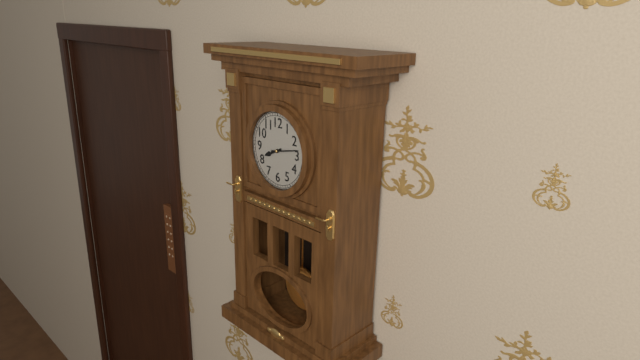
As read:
8 h 13 min
